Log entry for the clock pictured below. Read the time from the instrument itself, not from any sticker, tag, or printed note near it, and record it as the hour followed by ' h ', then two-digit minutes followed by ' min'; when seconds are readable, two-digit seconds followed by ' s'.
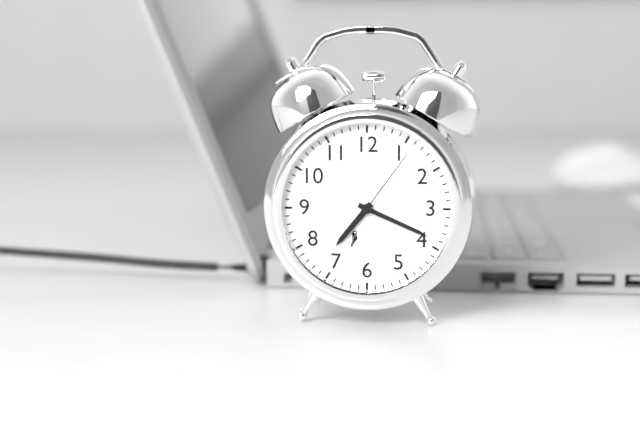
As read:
7 h 19 min 06 s
